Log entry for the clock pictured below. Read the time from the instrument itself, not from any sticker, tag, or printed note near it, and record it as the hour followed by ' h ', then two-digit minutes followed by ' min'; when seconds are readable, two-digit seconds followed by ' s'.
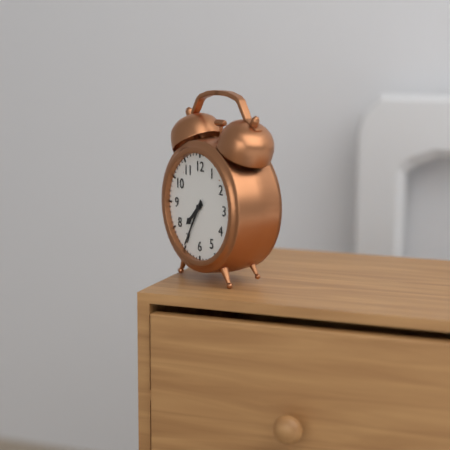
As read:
7 h 35 min
